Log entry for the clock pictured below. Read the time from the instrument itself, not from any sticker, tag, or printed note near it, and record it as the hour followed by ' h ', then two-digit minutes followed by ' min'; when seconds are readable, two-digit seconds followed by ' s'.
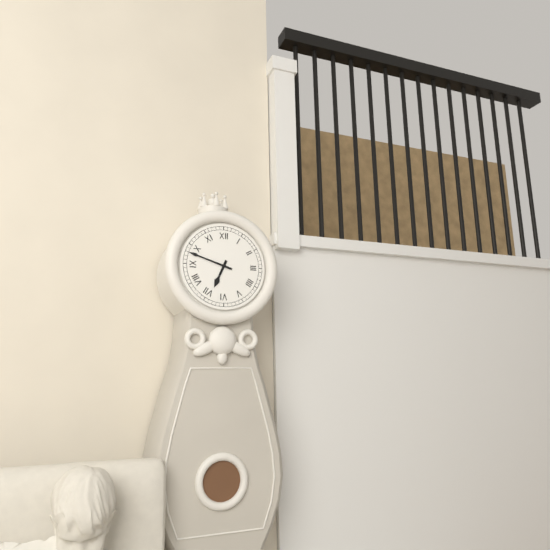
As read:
6 h 48 min
